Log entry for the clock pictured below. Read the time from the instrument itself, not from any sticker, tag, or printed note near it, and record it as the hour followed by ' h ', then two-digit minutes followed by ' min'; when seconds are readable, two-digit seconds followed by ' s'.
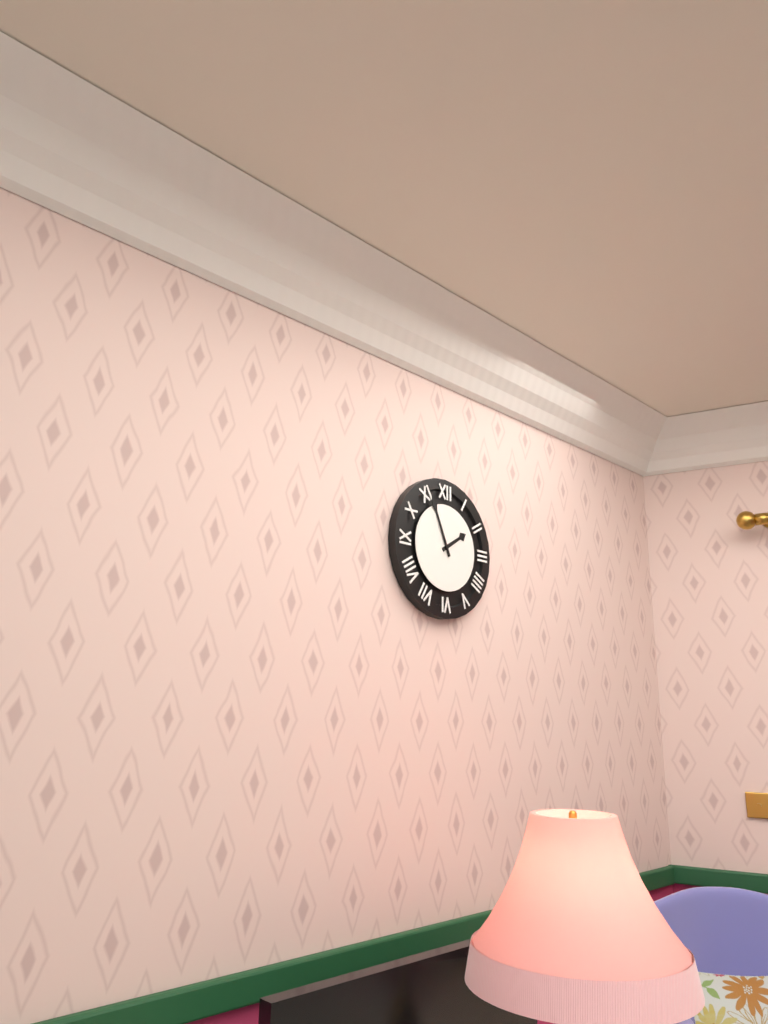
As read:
1 h 56 min
